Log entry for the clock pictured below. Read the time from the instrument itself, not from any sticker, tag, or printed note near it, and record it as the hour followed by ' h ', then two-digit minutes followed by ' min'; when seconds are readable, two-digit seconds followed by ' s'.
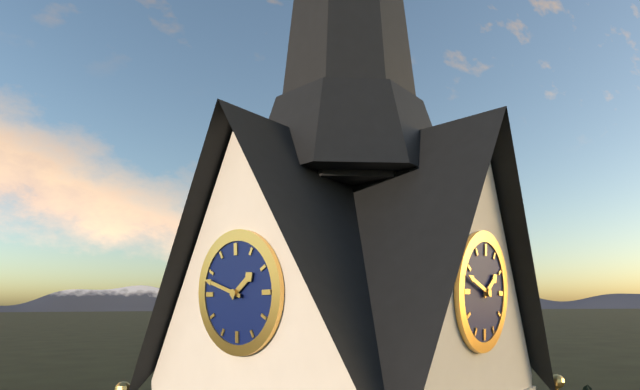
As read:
1 h 48 min
